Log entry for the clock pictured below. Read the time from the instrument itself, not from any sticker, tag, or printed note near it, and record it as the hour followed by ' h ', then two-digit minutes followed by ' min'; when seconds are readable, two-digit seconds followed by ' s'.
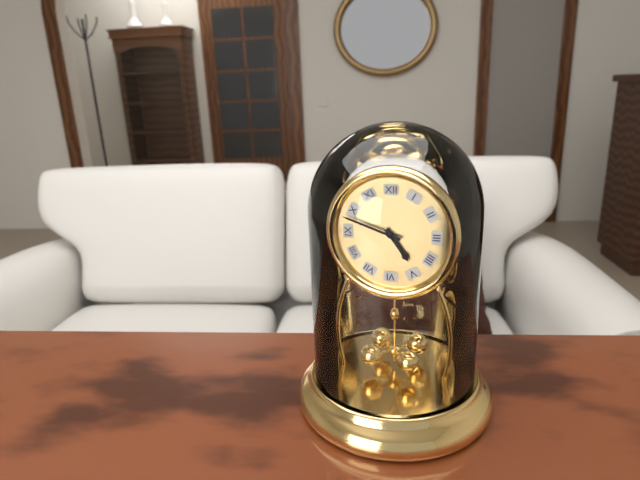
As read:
4 h 48 min
